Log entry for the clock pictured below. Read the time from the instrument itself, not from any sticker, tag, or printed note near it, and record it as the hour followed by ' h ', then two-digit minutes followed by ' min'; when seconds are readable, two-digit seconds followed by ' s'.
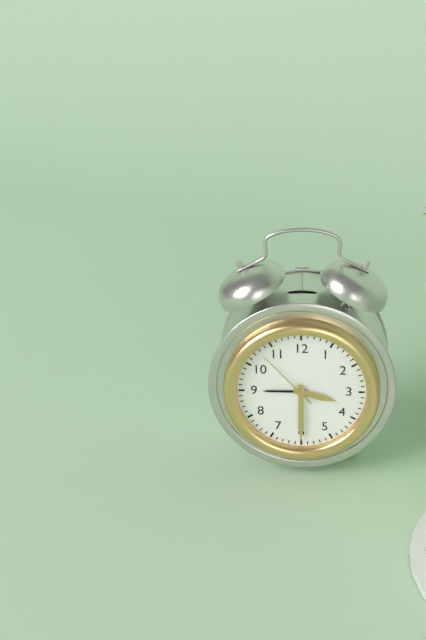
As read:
3 h 30 min 53 s
